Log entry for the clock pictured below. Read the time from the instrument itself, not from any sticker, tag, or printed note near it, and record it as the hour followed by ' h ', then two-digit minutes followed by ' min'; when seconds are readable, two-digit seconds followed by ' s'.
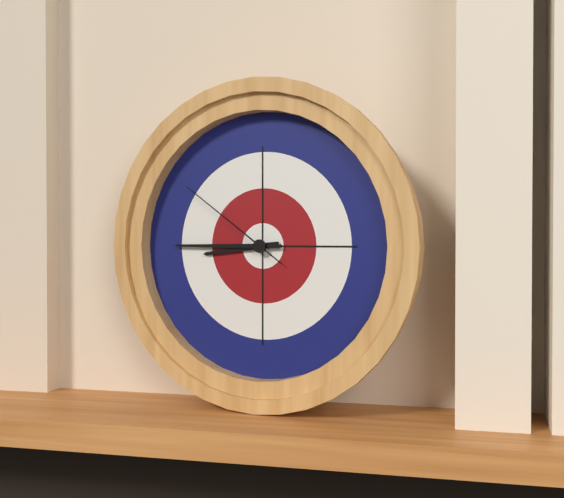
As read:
8 h 45 min 51 s
